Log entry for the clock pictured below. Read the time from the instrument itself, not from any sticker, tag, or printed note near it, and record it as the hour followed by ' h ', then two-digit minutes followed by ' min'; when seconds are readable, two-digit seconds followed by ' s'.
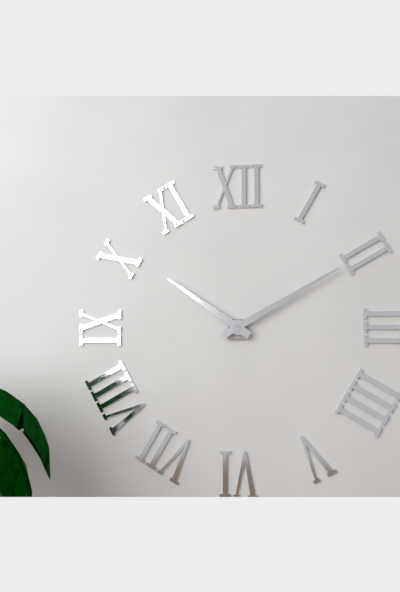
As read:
10 h 10 min
